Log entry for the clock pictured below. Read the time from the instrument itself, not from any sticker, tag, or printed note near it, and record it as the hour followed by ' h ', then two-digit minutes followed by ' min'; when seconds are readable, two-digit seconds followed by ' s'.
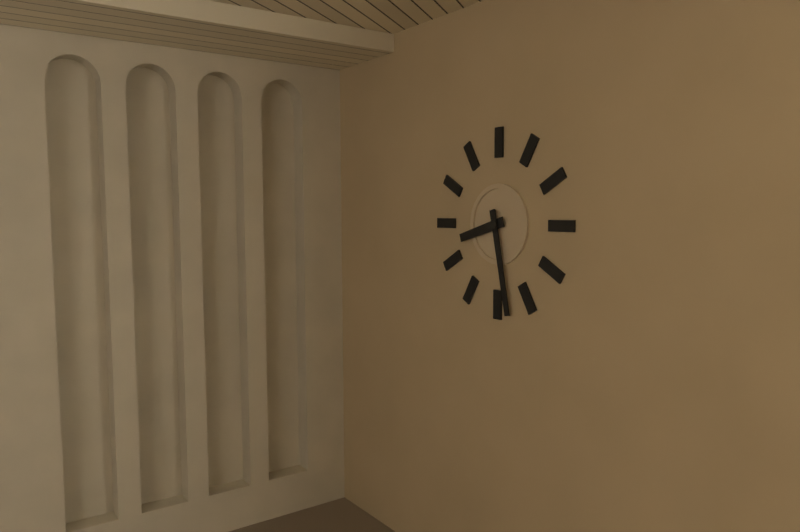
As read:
8 h 28 min
